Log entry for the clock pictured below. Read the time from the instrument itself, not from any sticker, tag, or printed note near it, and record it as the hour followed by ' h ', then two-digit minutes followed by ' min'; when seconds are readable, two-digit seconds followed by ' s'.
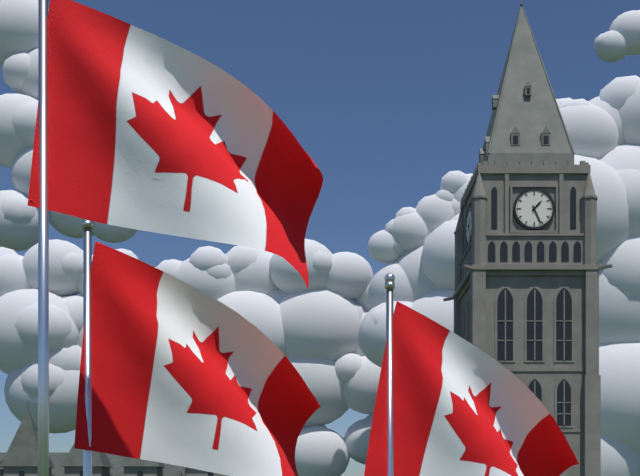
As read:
1 h 26 min
